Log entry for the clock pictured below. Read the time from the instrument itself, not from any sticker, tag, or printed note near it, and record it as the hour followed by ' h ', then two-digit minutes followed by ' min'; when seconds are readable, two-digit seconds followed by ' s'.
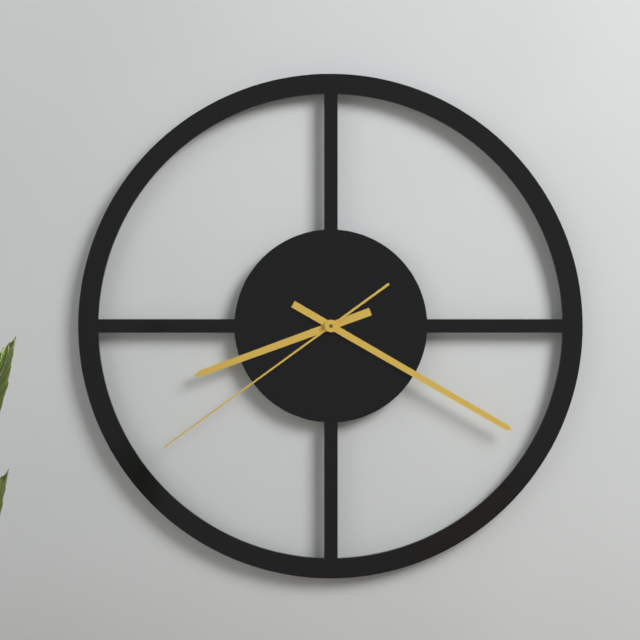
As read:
8 h 20 min 39 s
